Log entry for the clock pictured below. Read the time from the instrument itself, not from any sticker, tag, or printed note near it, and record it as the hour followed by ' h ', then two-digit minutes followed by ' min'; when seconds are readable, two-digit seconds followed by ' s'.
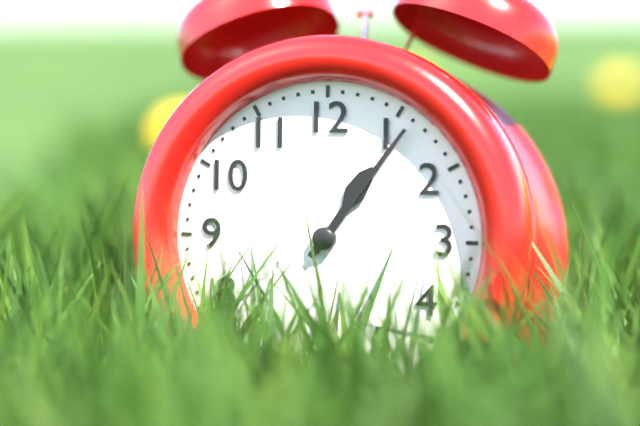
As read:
1 h 06 min
